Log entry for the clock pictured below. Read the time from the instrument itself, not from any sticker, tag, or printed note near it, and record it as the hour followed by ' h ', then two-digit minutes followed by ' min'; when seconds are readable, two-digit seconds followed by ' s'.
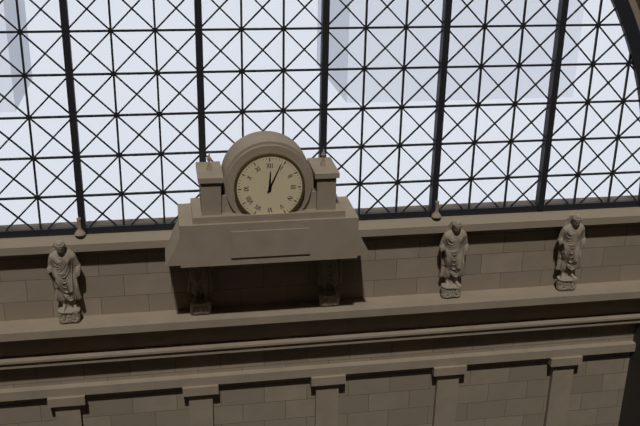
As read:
12 h 04 min
